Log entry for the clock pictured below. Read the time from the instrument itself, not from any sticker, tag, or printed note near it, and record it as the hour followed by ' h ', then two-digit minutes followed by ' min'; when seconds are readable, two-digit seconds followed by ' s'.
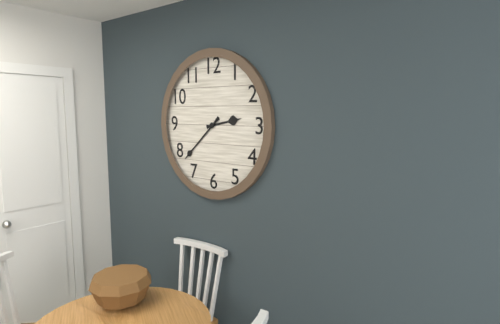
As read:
2 h 38 min
